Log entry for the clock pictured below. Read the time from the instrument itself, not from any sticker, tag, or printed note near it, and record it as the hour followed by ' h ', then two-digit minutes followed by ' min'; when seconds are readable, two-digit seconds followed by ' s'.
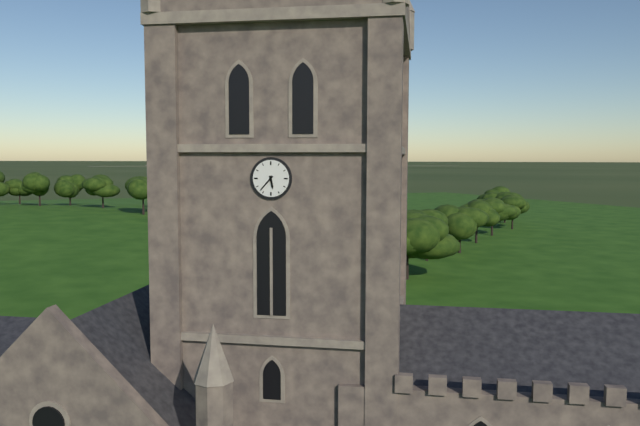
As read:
5 h 37 min
